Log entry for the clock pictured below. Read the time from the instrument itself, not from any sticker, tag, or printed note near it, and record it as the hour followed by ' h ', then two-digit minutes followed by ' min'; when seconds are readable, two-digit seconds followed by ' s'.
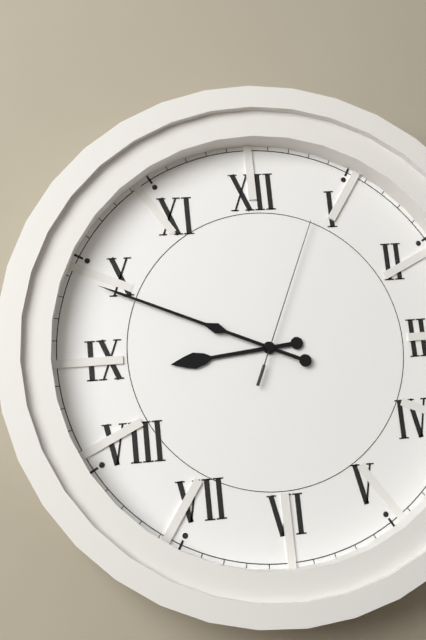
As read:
8 h 49 min 04 s
